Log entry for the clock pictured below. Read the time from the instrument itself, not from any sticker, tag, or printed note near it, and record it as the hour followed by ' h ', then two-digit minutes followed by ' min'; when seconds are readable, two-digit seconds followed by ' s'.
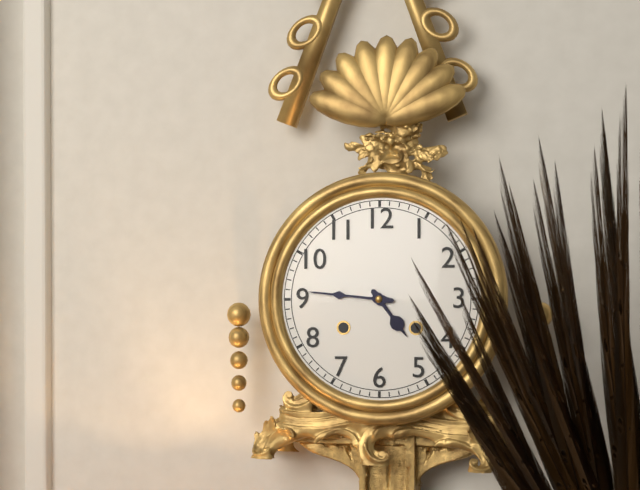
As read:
4 h 46 min
